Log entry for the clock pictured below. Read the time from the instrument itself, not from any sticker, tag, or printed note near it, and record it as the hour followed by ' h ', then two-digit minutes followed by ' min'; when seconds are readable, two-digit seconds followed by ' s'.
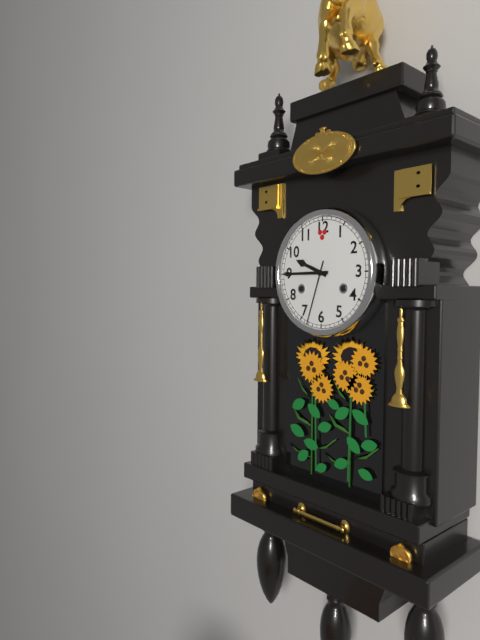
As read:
9 h 45 min 33 s
